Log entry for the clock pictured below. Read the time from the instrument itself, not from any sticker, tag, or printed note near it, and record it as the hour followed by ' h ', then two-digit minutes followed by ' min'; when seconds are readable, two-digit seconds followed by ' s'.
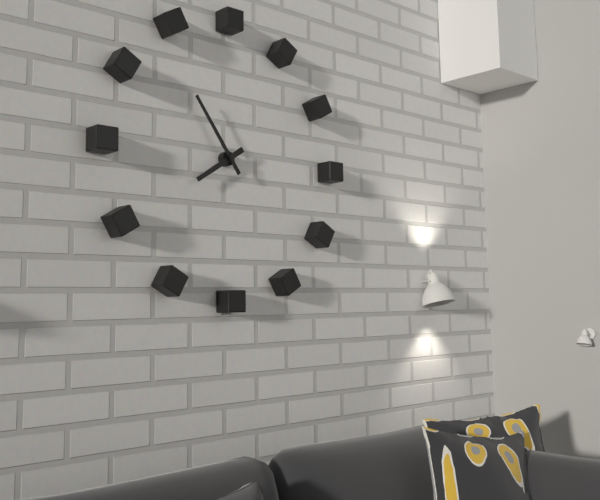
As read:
7 h 54 min
